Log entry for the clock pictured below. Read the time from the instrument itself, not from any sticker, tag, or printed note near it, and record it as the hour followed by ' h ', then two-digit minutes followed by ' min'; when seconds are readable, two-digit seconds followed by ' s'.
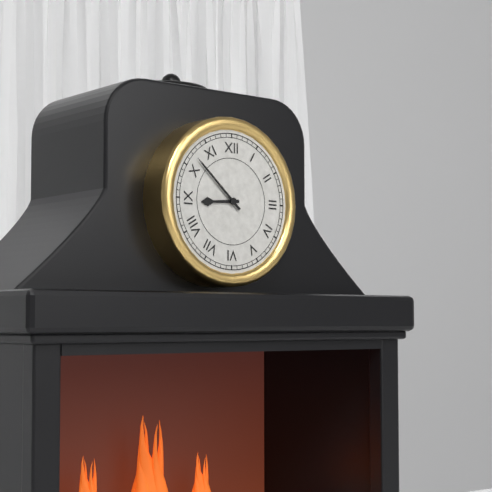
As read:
8 h 52 min
